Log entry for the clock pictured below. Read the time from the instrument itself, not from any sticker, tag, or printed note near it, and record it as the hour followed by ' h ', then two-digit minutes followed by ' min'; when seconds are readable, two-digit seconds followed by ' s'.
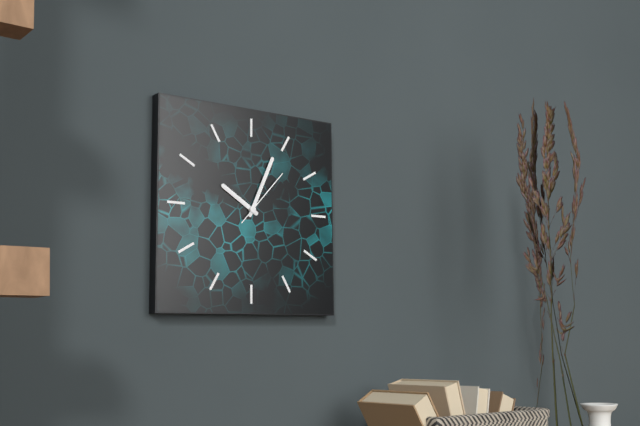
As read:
10 h 04 min 07 s
